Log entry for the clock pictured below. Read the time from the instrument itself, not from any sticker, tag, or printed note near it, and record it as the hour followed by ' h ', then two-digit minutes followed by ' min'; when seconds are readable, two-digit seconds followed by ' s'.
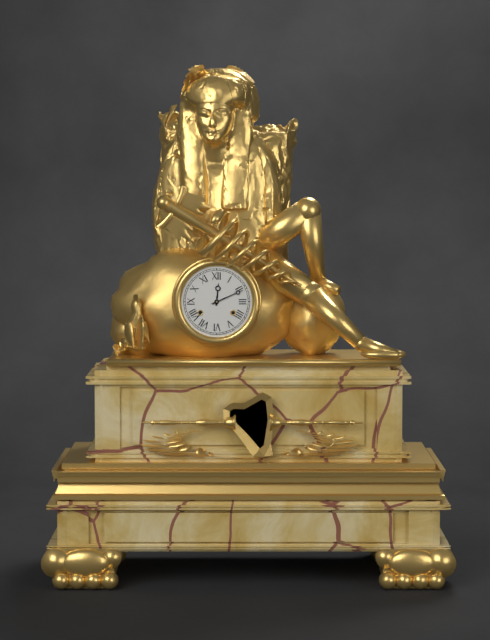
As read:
12 h 11 min
